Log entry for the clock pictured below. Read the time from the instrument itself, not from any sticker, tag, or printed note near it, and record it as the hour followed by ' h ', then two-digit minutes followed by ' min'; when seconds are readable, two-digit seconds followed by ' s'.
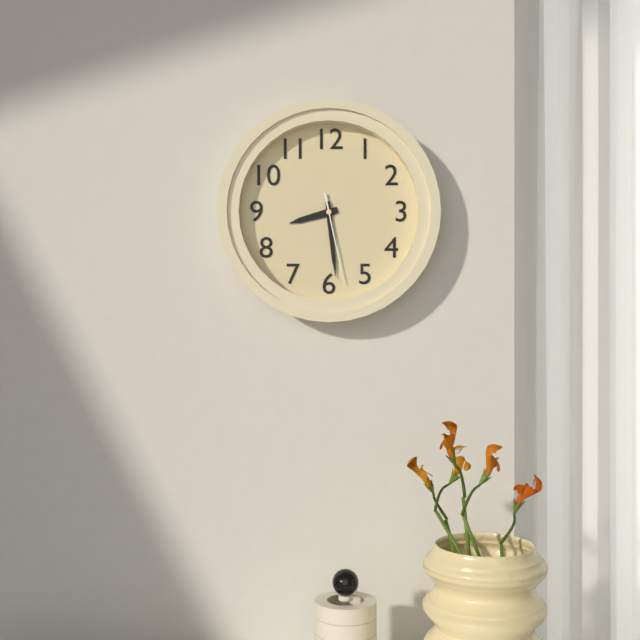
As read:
8 h 29 min 28 s
